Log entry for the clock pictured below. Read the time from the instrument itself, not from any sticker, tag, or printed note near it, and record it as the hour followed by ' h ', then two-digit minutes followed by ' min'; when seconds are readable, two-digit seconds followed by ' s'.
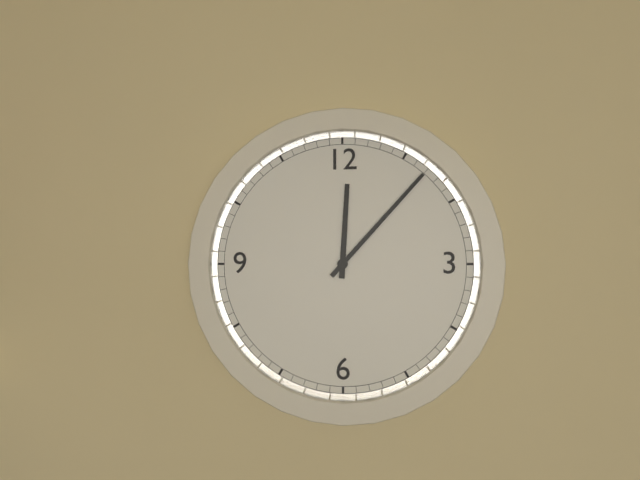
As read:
12 h 07 min
